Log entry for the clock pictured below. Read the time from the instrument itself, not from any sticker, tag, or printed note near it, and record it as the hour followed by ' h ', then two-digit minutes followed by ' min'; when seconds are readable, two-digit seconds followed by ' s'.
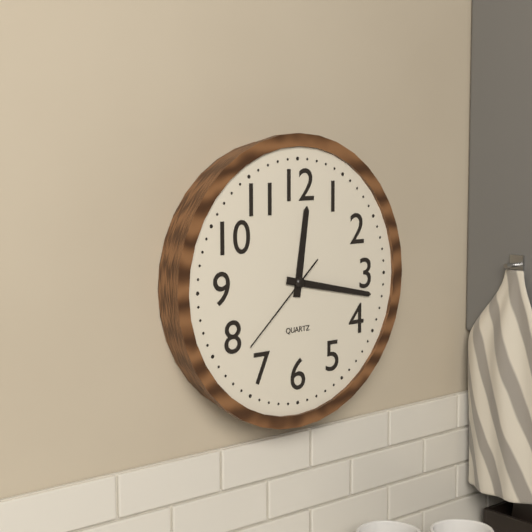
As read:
12 h 17 min 38 s
